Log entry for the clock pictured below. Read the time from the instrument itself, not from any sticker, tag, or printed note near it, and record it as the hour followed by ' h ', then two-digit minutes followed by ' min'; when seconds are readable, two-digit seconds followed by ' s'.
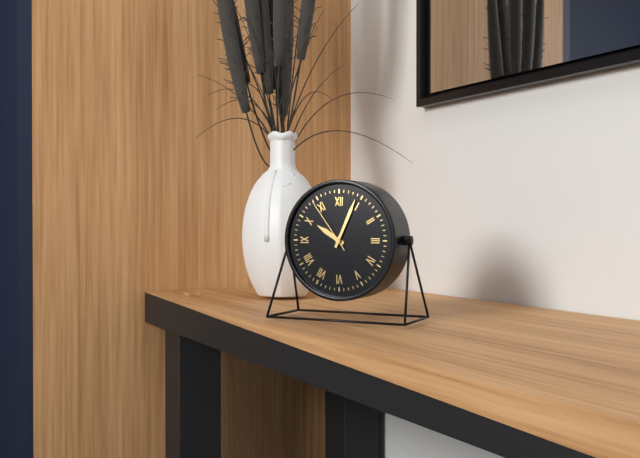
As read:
10 h 04 min 54 s
